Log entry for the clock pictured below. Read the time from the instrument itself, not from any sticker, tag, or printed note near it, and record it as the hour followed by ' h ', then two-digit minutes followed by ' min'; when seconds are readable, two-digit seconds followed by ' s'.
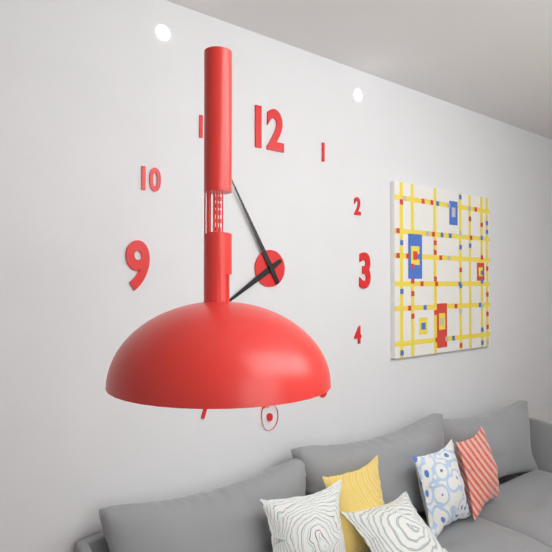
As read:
7 h 55 min
